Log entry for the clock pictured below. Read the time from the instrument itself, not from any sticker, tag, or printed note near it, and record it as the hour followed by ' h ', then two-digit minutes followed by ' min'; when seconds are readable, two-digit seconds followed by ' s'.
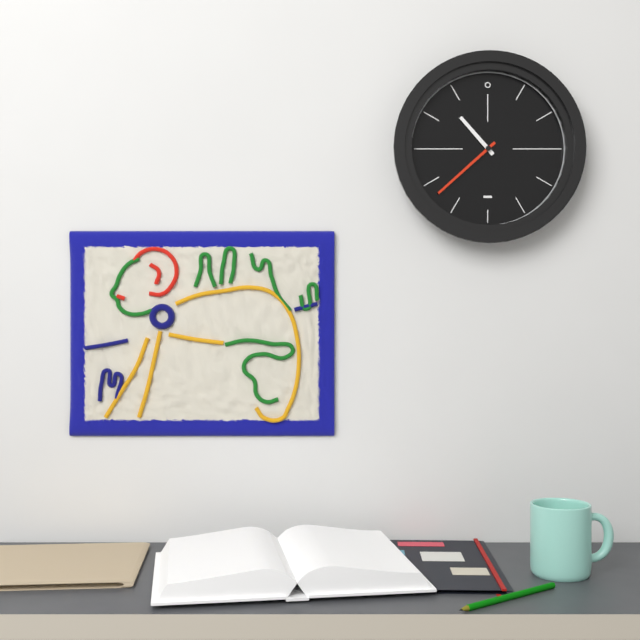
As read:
10 h 38 min
